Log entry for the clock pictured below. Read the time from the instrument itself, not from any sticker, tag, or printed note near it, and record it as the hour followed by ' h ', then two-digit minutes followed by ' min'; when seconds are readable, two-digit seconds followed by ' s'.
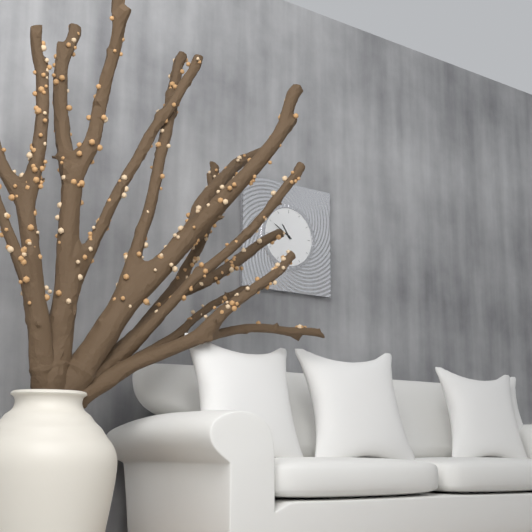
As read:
10 h 50 min
